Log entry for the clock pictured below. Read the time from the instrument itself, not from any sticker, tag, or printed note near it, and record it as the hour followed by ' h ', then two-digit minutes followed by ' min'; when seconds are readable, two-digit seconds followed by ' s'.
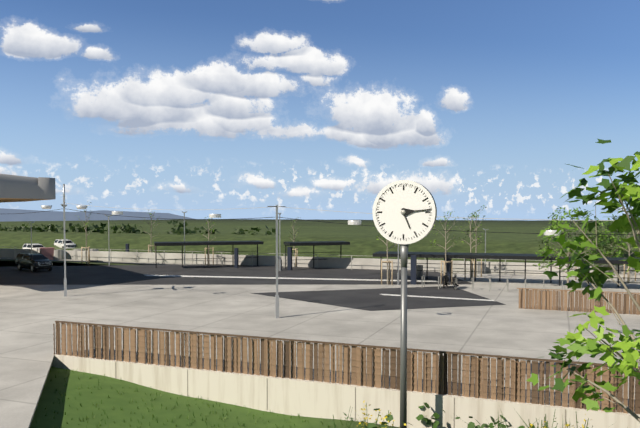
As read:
5 h 14 min
